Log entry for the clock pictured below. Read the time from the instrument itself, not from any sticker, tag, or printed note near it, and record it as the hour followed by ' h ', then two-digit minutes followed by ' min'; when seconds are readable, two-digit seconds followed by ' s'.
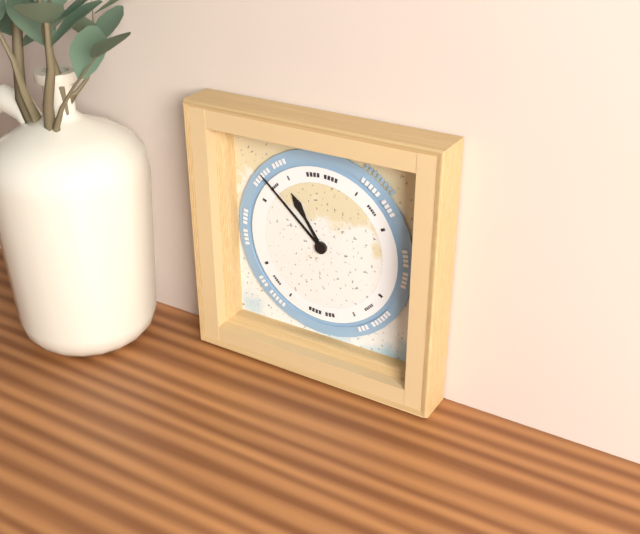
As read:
10 h 52 min
